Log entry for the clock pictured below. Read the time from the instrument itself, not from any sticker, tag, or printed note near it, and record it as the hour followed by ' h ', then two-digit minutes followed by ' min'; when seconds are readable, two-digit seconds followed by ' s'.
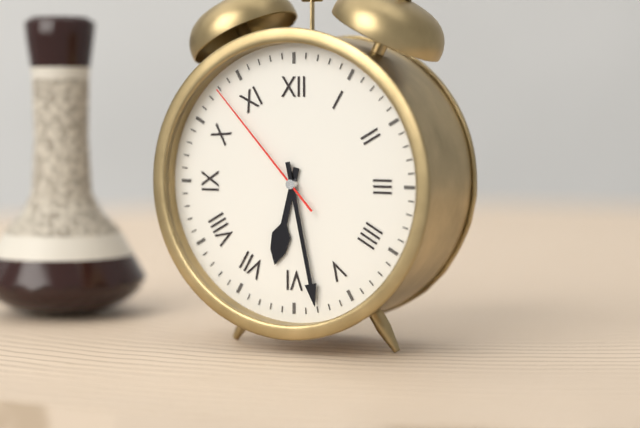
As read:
6 h 28 min 53 s
